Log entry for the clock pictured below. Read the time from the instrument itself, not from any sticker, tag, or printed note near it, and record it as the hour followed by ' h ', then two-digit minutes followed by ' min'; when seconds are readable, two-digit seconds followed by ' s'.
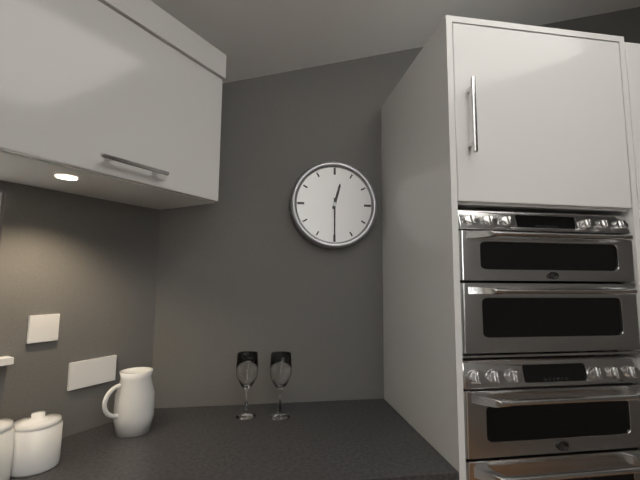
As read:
12 h 30 min
